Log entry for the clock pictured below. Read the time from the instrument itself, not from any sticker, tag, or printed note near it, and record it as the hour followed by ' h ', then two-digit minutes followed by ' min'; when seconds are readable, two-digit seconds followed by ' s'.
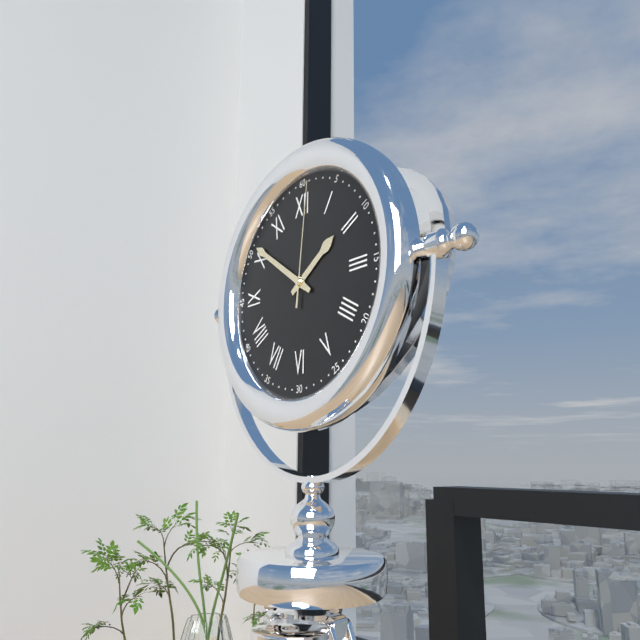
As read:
1 h 51 min 01 s
